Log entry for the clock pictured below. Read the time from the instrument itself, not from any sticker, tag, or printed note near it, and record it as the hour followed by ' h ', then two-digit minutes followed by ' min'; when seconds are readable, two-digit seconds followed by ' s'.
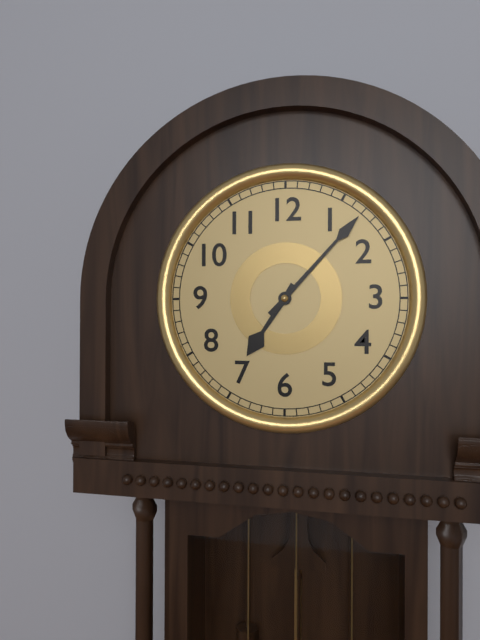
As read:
7 h 07 min
